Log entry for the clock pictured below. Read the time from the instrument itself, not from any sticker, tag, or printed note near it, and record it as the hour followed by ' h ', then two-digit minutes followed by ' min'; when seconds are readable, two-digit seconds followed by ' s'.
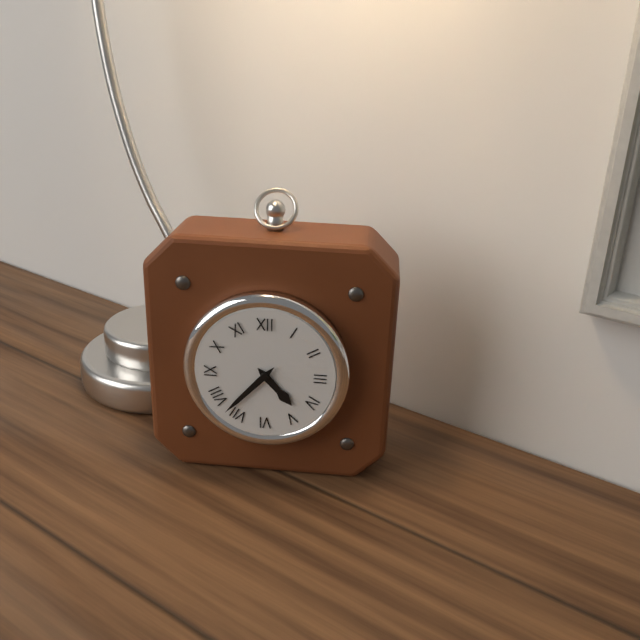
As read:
4 h 37 min
